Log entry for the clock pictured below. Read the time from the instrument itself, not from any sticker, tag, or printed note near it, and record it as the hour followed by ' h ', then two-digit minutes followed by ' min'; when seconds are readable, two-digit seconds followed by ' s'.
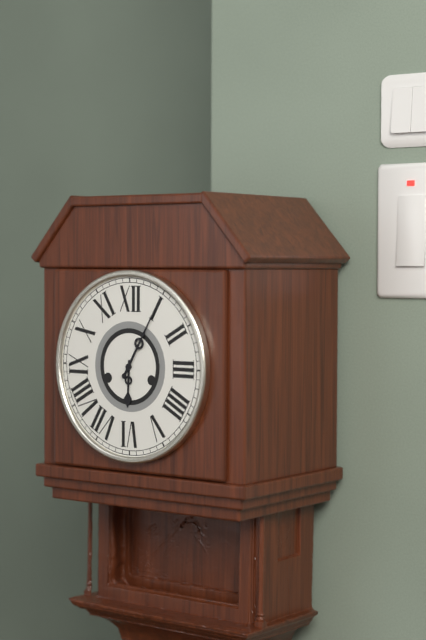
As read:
6 h 05 min
